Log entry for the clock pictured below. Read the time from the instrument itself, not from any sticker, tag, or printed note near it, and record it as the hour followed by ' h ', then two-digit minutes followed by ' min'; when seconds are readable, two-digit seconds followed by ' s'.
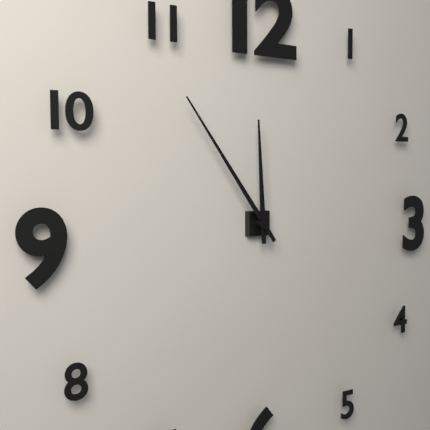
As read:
11 h 54 min
